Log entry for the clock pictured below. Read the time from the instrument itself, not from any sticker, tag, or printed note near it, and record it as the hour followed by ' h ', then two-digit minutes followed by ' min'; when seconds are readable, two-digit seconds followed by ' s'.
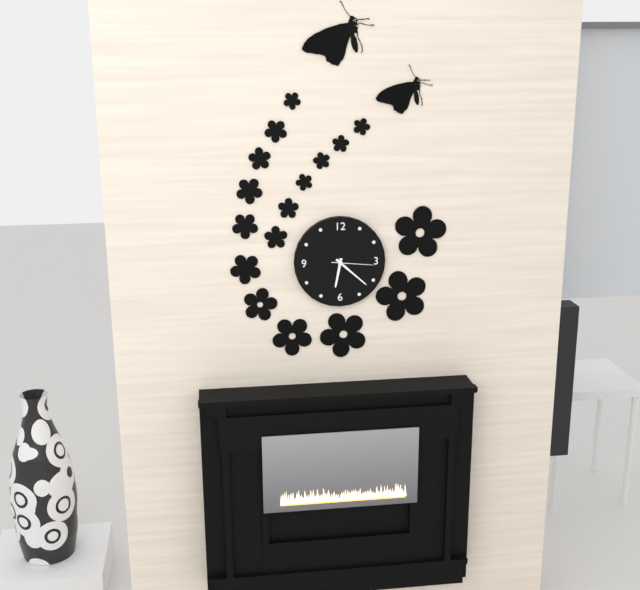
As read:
6 h 22 min
